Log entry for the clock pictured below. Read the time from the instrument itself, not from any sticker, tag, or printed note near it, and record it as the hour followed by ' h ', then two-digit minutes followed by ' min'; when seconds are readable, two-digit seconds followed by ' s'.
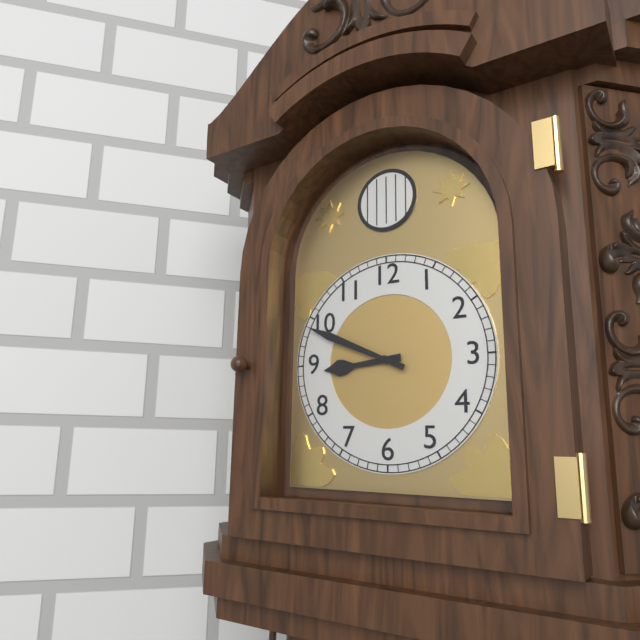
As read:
8 h 49 min
